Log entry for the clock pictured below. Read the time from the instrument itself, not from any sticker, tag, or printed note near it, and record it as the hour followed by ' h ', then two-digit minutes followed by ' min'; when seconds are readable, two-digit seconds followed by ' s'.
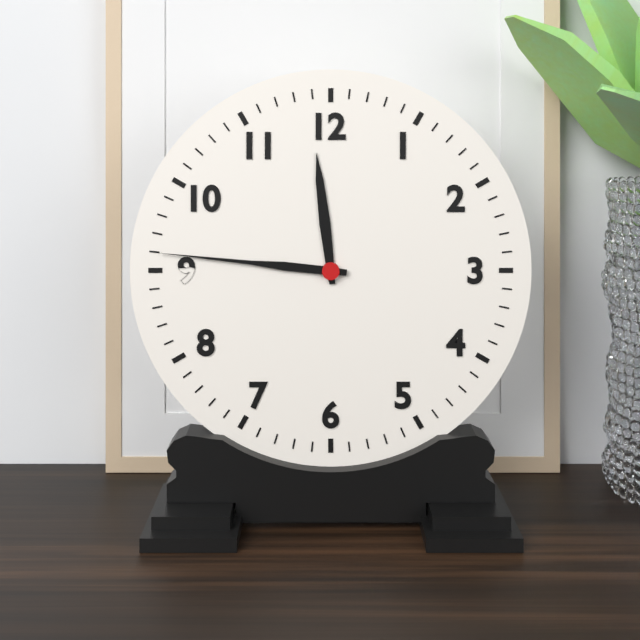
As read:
11 h 46 min
